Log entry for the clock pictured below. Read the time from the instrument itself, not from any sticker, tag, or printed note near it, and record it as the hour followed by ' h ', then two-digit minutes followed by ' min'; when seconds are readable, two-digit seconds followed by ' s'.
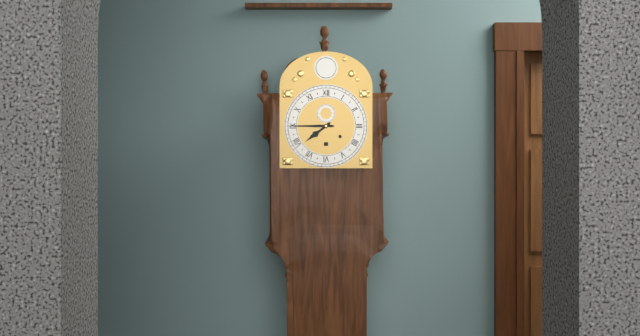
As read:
7 h 45 min
